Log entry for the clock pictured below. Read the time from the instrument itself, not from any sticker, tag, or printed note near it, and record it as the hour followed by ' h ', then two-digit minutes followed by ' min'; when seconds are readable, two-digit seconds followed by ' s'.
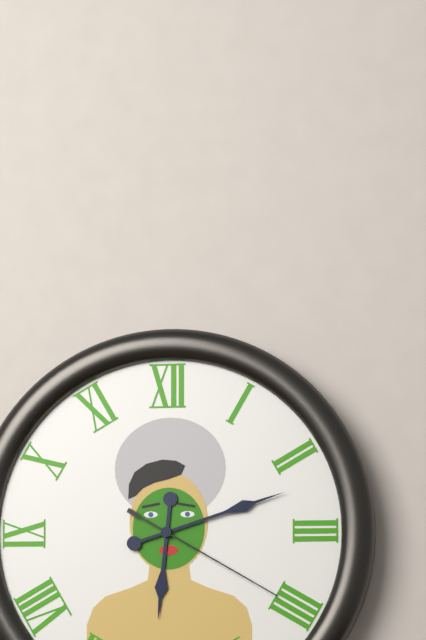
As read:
6 h 12 min 20 s
